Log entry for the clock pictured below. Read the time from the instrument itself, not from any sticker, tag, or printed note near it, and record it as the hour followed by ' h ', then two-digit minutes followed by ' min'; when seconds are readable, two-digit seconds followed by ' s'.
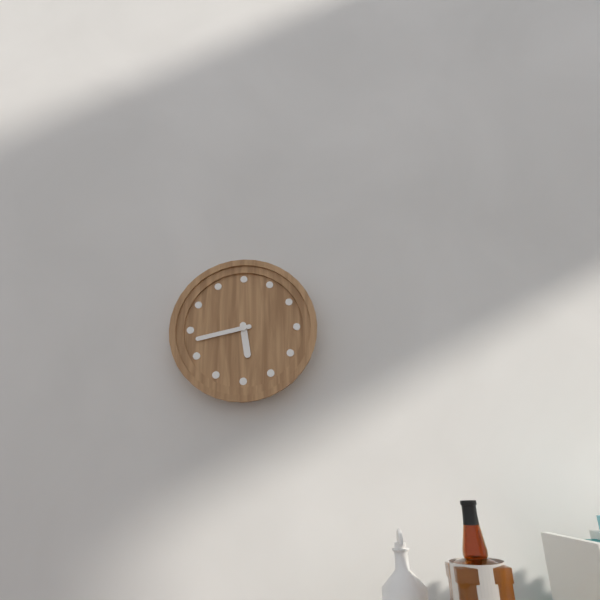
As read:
5 h 43 min
